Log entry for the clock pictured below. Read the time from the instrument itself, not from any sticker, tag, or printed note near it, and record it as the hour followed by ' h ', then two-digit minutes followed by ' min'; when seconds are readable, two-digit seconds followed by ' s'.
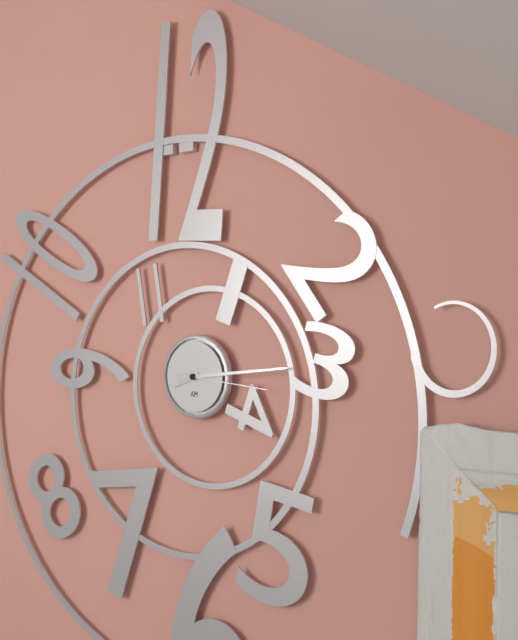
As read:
8 h 14 min 16 s
